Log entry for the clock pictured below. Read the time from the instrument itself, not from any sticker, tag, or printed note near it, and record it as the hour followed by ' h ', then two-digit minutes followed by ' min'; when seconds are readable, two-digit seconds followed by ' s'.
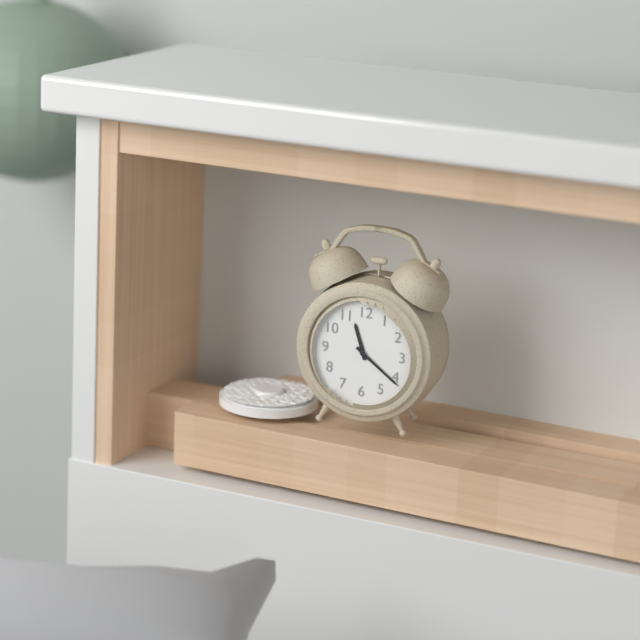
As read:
11 h 21 min
